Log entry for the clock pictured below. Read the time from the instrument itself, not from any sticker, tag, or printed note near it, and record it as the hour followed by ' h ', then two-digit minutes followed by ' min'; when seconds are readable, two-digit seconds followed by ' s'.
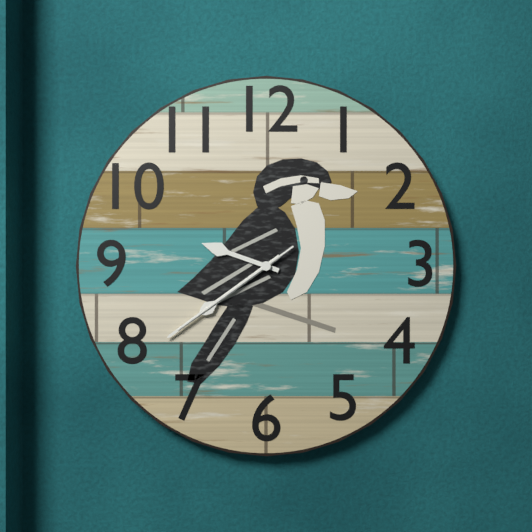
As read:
9 h 39 min 39 s
